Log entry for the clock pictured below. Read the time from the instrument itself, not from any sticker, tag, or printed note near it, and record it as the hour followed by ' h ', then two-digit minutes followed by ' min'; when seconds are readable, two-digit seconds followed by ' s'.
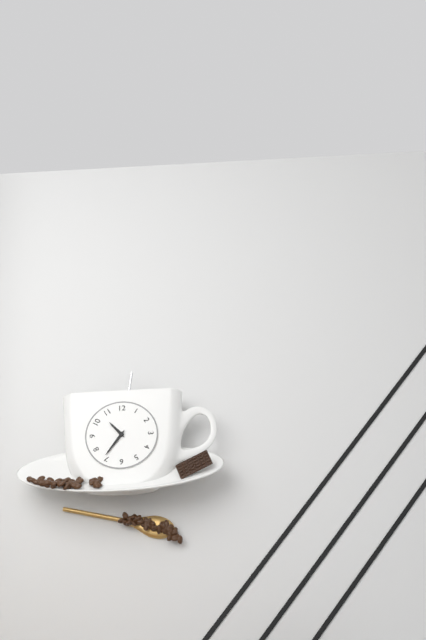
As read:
10 h 36 min
